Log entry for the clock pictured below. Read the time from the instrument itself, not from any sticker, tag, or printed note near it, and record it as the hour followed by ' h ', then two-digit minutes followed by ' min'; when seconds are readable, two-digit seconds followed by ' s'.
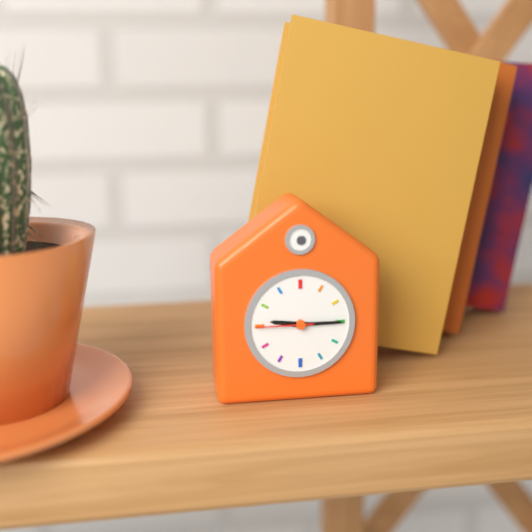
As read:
9 h 15 min
